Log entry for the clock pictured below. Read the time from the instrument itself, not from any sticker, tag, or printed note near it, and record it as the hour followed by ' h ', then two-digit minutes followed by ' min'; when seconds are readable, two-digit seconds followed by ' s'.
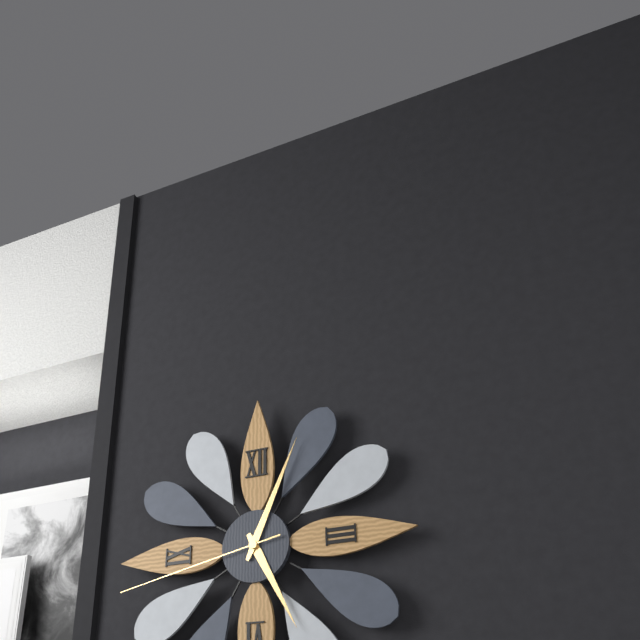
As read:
5 h 04 min 43 s
